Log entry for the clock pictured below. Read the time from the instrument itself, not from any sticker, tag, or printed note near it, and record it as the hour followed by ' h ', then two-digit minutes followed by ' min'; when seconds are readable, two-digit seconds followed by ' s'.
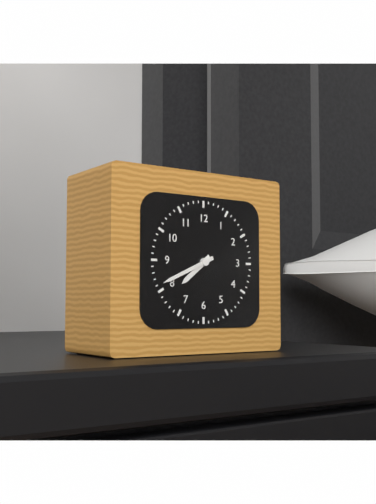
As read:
7 h 41 min
